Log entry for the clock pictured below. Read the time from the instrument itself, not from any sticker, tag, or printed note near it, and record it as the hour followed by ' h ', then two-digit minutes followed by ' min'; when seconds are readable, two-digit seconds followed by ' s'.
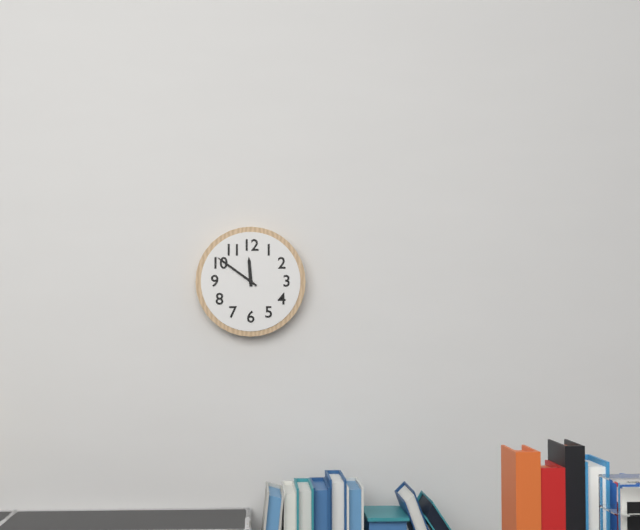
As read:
11 h 51 min
